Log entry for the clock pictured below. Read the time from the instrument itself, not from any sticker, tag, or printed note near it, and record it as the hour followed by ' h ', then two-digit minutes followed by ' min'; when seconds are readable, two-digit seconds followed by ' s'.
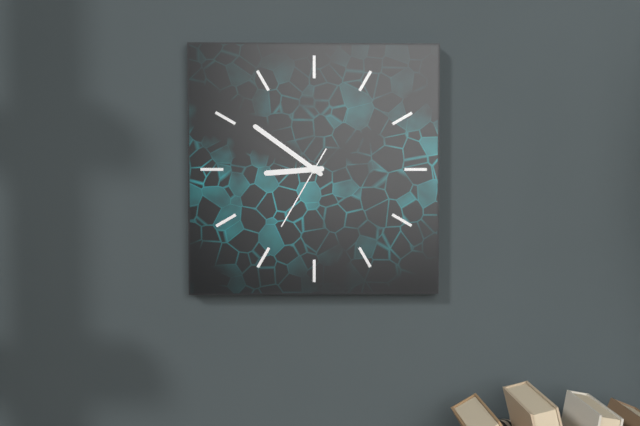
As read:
8 h 51 min 35 s
